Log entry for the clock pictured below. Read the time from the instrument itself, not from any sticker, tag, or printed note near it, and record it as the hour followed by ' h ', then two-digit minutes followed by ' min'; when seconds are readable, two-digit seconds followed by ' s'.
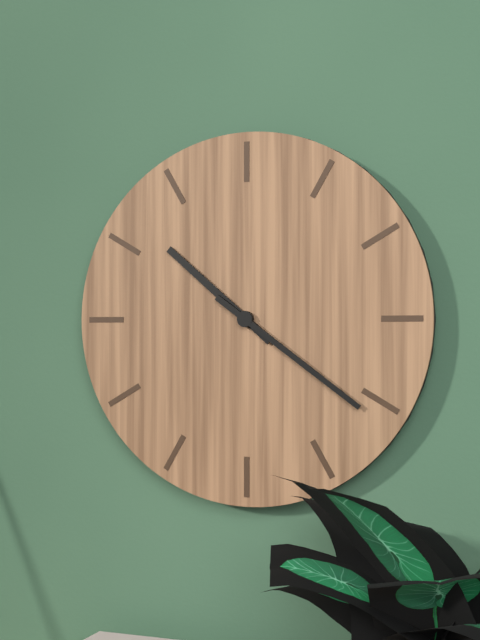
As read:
10 h 21 min
